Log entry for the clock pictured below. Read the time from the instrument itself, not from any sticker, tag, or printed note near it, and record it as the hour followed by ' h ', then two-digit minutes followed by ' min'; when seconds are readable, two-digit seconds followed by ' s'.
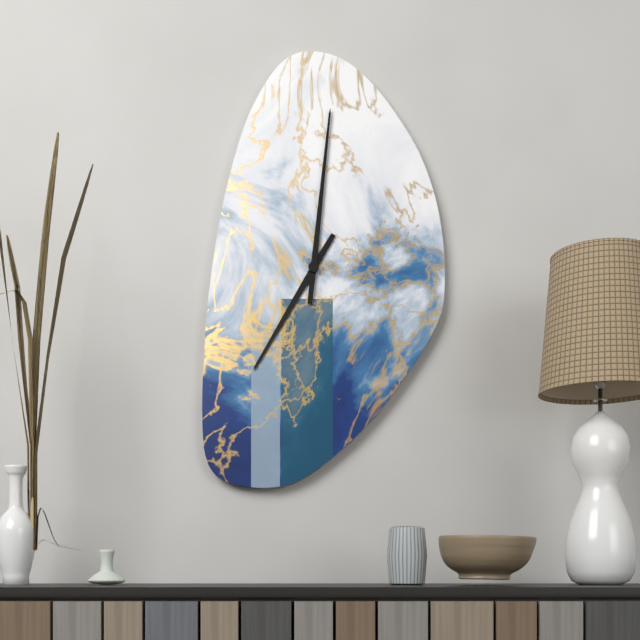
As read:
7 h 01 min
